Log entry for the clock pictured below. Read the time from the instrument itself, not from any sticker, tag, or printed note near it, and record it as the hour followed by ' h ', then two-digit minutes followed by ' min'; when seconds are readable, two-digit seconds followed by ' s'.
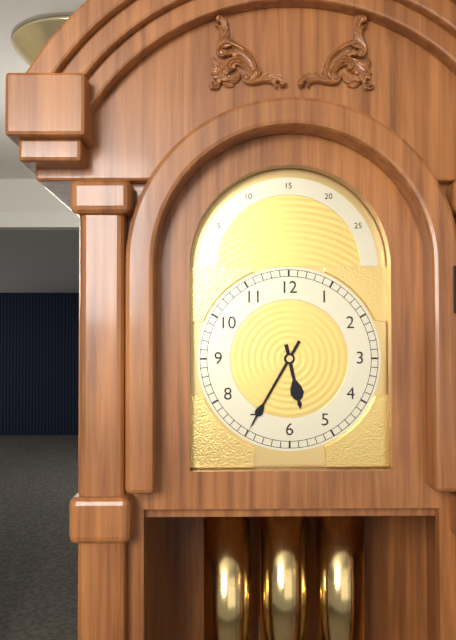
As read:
5 h 35 min
